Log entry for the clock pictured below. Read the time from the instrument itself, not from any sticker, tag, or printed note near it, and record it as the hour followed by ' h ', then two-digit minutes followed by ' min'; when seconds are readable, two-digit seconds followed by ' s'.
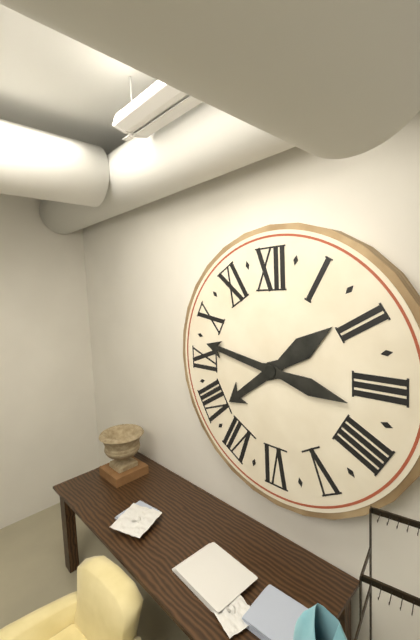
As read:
7 h 47 min
